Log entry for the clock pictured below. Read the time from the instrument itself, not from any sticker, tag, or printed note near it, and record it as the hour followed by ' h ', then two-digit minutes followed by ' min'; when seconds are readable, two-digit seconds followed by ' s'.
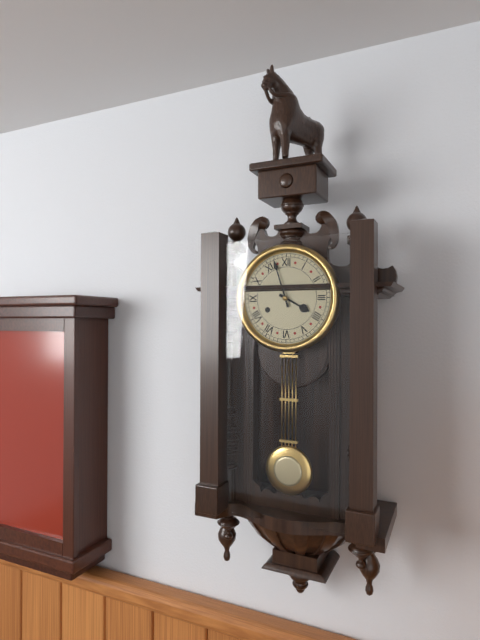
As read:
3 h 57 min
